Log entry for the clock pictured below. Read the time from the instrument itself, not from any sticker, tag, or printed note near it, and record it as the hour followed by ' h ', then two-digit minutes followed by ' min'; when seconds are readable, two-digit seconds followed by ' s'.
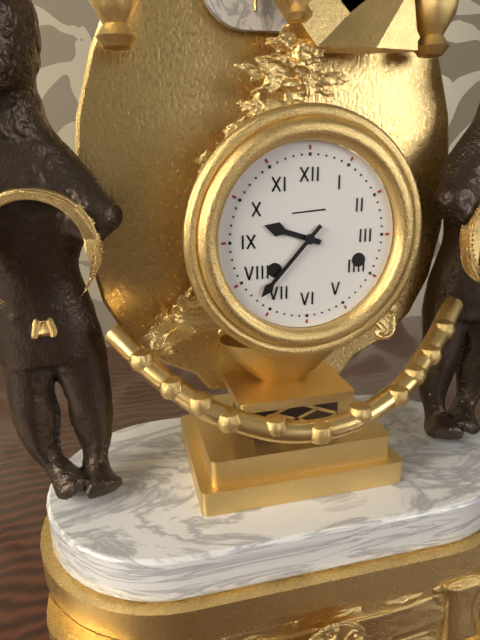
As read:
9 h 37 min
